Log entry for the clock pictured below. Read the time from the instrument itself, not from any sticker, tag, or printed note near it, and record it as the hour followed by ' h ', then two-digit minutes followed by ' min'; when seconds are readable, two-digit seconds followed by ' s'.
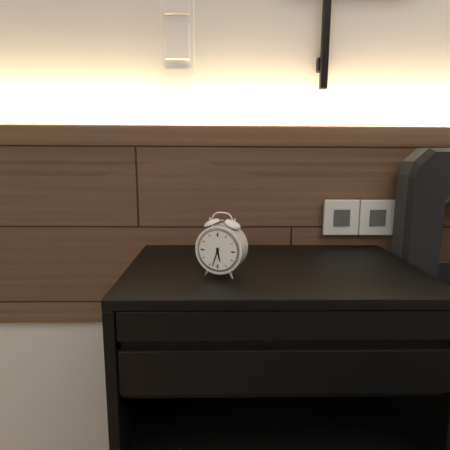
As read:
5 h 33 min
